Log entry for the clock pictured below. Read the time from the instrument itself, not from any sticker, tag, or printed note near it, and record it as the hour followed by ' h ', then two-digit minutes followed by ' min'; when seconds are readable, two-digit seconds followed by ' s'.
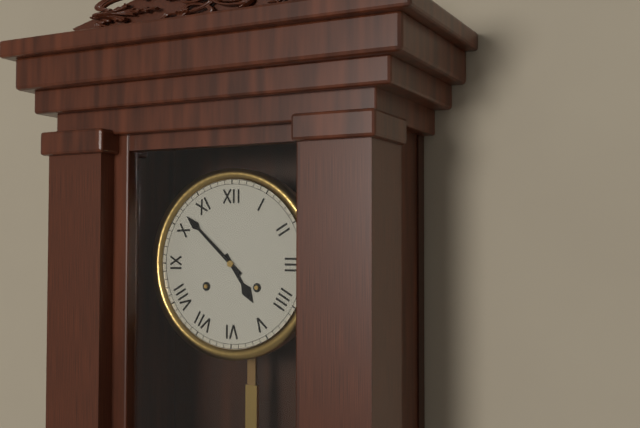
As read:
4 h 52 min
